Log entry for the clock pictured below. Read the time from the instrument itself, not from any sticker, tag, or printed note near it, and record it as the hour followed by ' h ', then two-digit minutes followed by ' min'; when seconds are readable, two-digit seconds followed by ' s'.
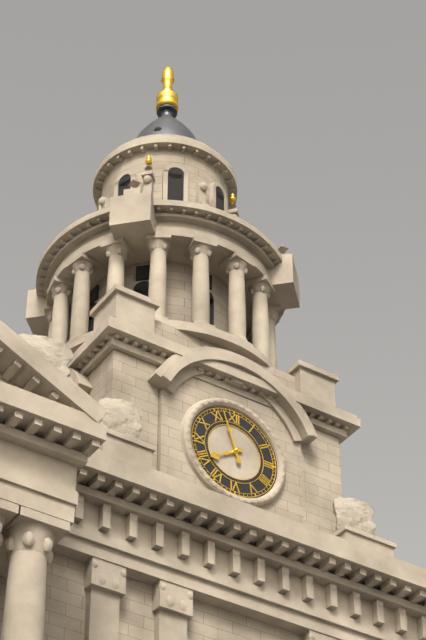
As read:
7 h 57 min
